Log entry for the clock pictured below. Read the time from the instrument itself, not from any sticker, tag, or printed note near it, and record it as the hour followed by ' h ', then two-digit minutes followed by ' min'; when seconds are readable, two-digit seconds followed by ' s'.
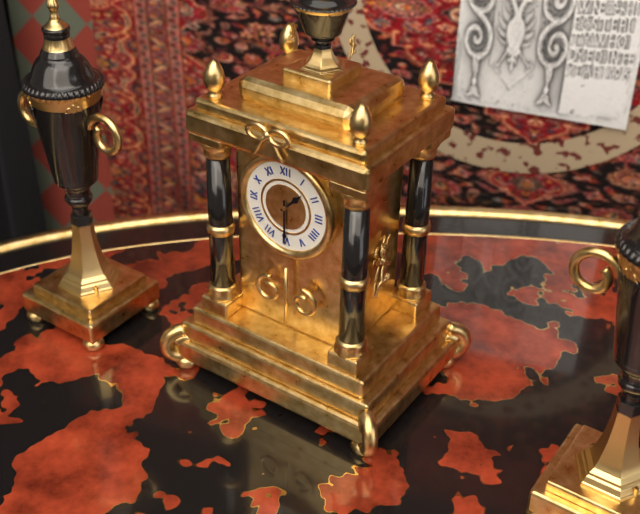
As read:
1 h 30 min
